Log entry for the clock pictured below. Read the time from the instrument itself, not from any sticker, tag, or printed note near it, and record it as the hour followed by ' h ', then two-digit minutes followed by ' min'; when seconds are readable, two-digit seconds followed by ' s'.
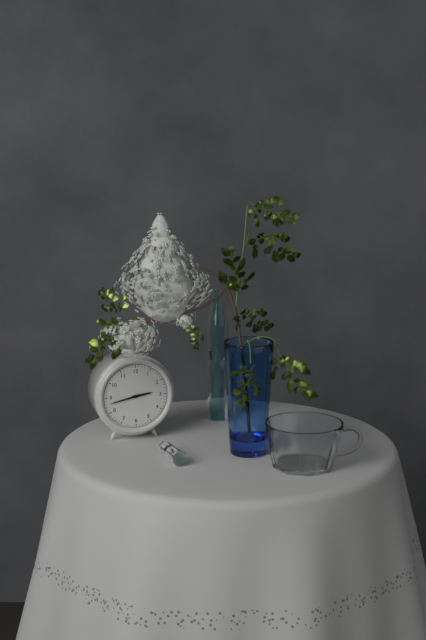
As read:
2 h 43 min
